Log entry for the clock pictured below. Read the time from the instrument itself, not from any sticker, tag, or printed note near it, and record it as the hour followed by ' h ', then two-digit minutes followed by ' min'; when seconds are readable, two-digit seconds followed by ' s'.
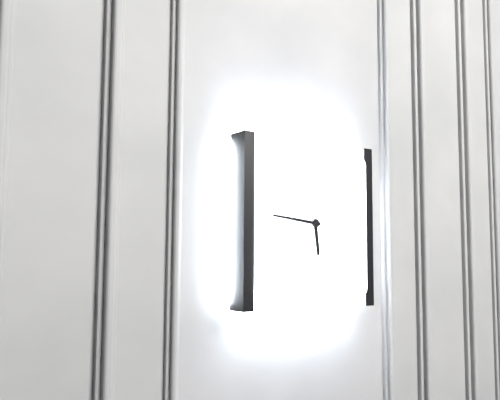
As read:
5 h 46 min
